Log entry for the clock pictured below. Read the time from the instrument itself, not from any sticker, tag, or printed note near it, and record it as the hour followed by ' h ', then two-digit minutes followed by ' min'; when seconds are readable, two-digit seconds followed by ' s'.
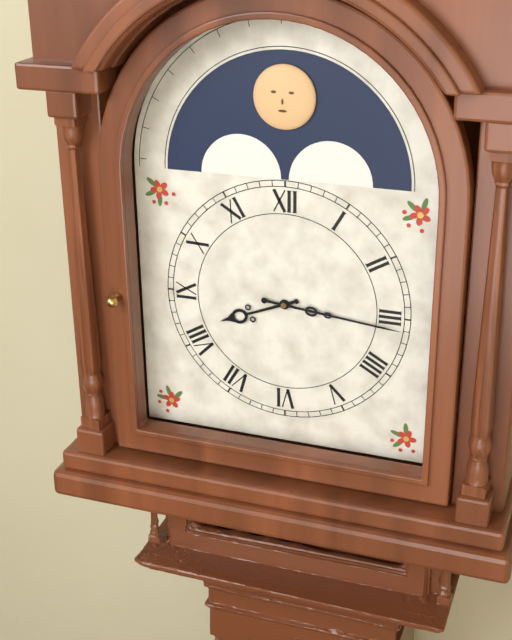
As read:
8 h 16 min
